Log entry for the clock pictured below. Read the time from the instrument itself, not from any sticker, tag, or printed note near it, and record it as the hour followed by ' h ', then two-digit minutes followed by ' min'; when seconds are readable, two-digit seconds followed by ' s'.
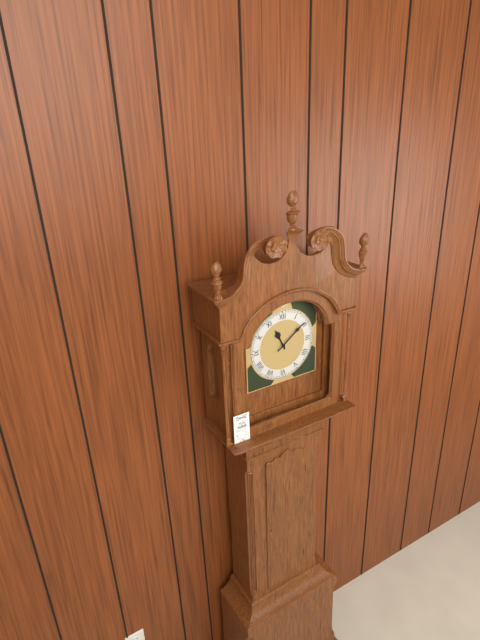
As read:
11 h 09 min
